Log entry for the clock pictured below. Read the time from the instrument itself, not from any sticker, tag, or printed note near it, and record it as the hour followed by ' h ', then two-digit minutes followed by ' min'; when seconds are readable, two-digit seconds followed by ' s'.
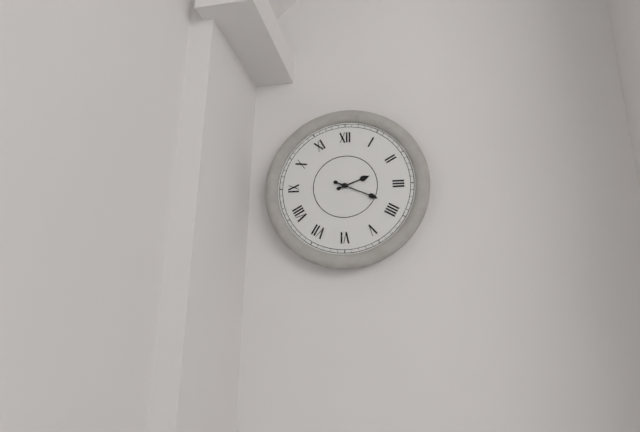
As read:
2 h 19 min
